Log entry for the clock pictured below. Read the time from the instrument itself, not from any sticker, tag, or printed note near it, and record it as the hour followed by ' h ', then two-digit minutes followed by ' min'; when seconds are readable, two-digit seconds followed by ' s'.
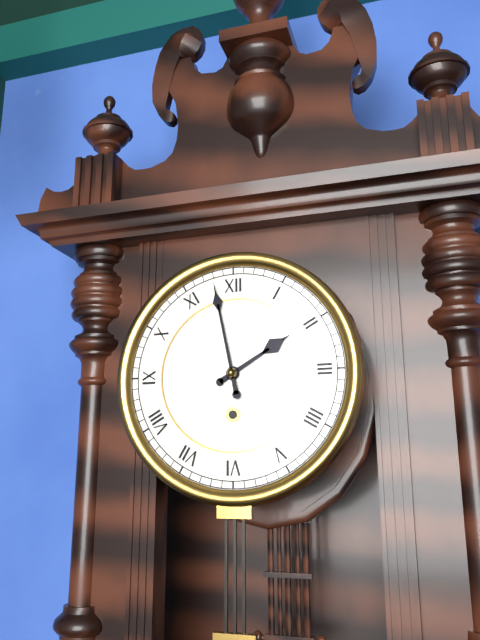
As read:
1 h 58 min
